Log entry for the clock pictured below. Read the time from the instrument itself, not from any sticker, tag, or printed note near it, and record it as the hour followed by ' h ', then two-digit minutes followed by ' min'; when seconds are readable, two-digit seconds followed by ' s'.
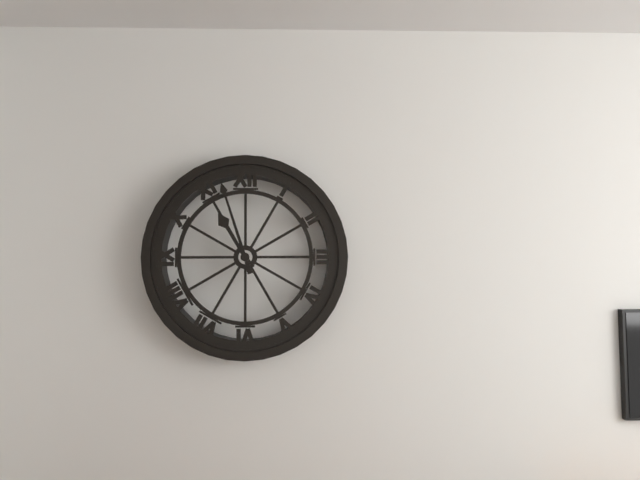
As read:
10 h 57 min
